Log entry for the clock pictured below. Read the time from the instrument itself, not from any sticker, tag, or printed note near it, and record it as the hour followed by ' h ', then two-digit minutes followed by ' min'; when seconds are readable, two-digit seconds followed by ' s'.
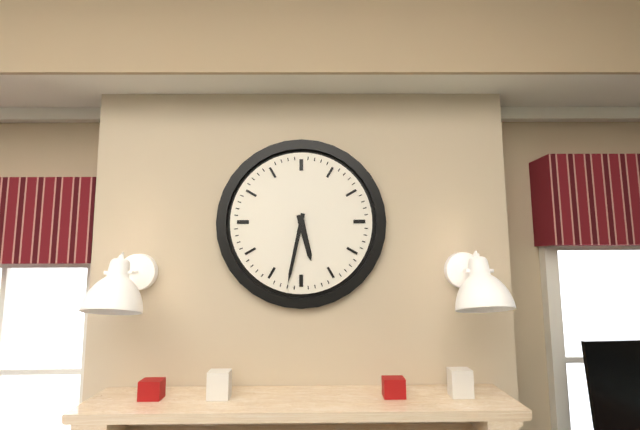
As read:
5 h 32 min
